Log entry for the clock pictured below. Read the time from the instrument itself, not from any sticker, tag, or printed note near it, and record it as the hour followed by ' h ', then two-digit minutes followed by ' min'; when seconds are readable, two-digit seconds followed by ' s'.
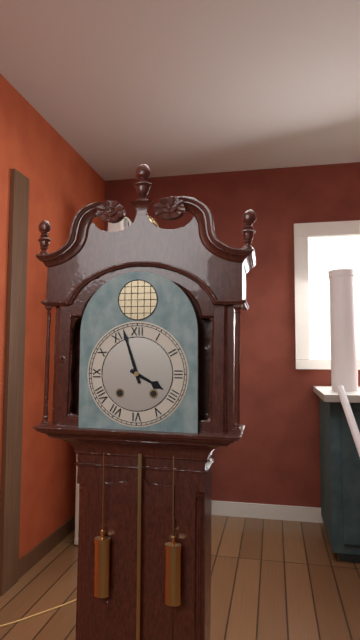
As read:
3 h 57 min
